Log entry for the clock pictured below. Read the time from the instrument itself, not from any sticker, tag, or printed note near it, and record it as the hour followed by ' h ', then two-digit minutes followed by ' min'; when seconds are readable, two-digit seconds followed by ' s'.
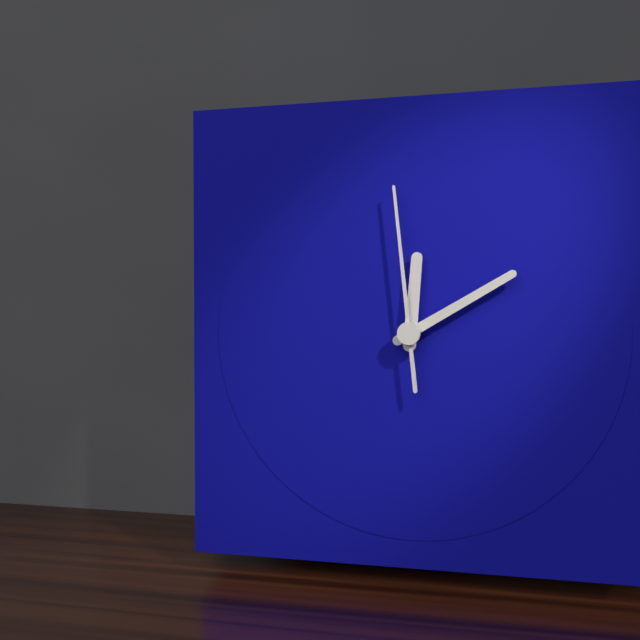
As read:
12 h 10 min 59 s
